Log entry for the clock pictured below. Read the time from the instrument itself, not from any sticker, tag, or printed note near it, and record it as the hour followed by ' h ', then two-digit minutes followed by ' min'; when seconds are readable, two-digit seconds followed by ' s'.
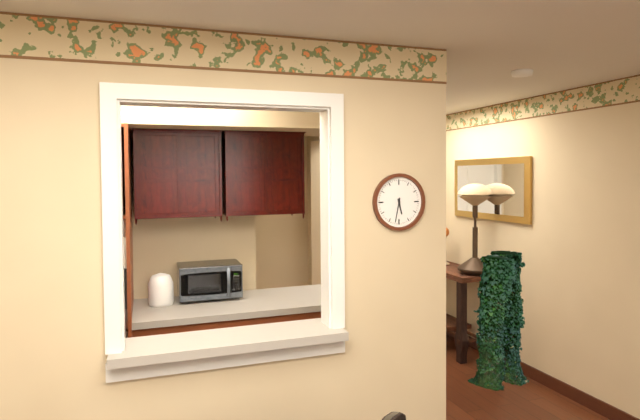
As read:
5 h 32 min
